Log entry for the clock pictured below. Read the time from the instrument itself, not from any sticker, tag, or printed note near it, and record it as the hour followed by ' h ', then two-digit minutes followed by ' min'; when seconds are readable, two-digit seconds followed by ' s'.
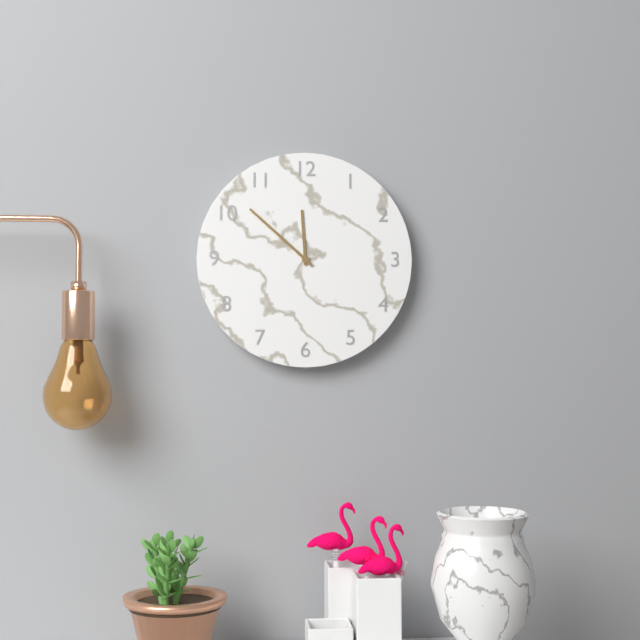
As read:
11 h 52 min
